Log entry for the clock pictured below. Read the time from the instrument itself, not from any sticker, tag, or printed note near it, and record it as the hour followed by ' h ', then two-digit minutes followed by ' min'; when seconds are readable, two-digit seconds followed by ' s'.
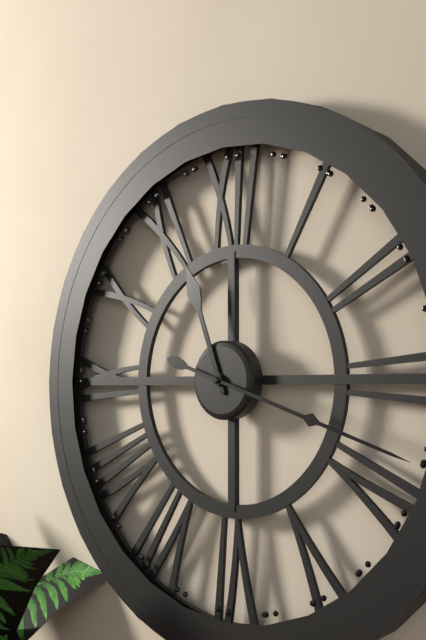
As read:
11 h 18 min
